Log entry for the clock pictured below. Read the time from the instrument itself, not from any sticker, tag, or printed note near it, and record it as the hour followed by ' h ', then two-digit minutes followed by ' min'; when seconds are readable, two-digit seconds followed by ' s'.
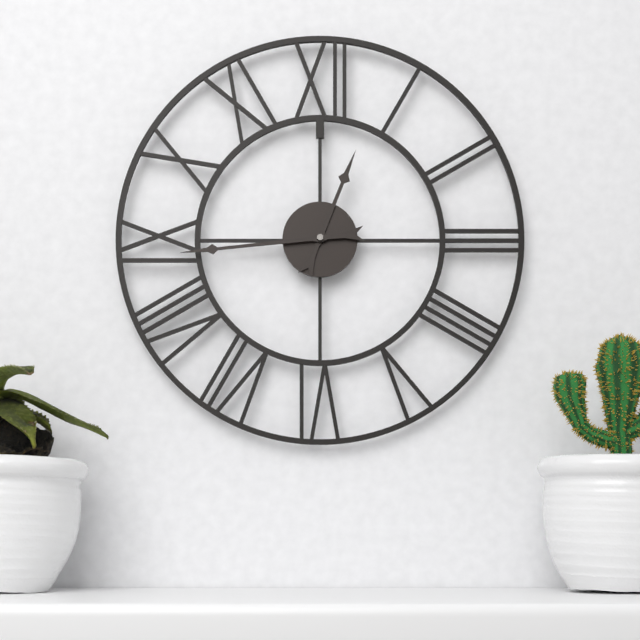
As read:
12 h 44 min
